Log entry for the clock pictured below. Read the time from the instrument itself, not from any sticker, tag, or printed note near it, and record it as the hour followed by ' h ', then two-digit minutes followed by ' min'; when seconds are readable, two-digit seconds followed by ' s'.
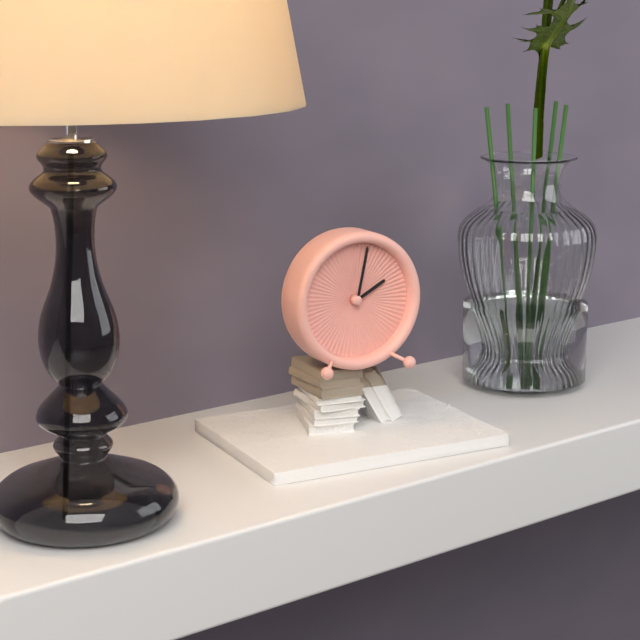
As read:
2 h 02 min
